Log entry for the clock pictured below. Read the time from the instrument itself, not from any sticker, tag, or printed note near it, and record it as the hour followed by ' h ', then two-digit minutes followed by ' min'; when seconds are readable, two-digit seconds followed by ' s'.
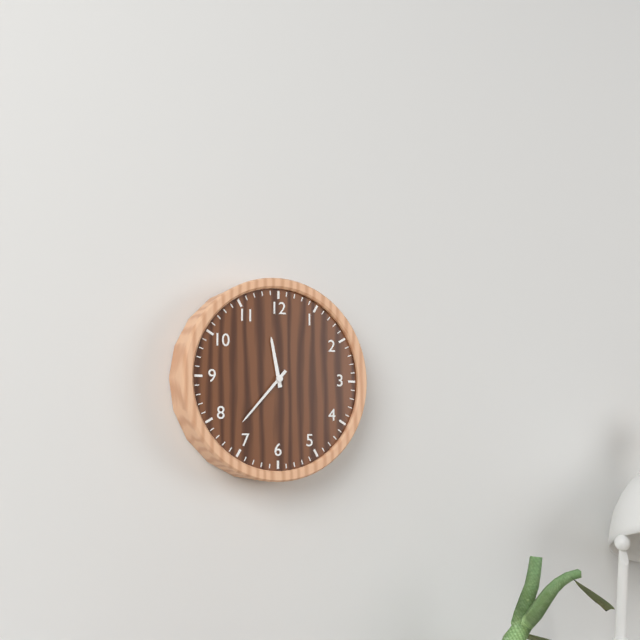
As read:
11 h 37 min
